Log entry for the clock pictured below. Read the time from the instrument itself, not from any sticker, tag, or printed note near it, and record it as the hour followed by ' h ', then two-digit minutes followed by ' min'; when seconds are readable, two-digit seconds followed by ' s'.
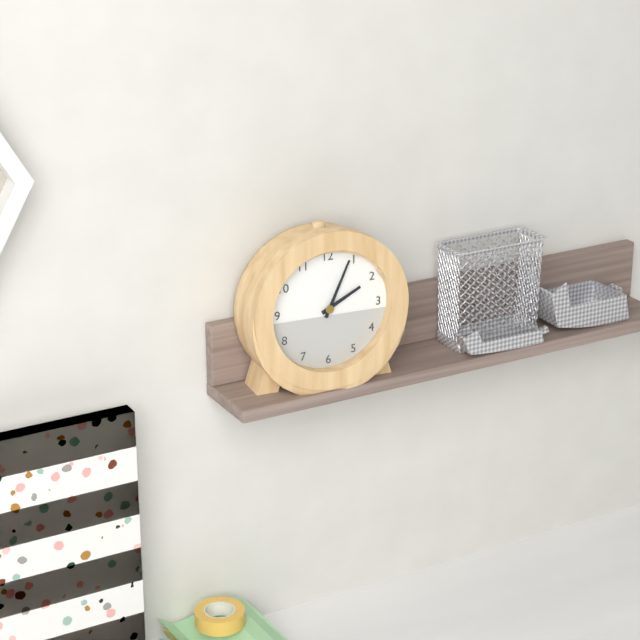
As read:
2 h 04 min
